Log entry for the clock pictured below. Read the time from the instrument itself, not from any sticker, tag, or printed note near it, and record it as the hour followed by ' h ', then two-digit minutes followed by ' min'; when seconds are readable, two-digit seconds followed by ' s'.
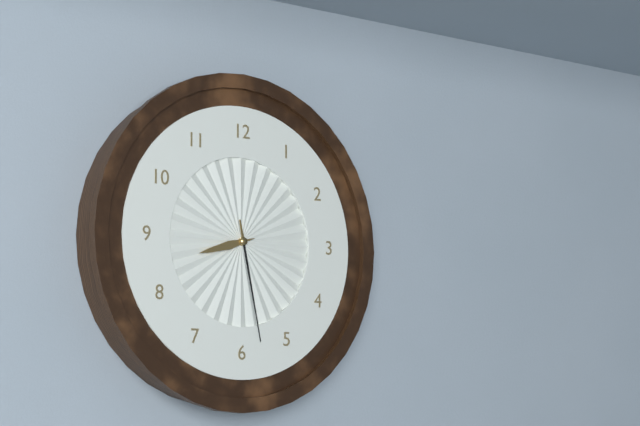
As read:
8 h 28 min
